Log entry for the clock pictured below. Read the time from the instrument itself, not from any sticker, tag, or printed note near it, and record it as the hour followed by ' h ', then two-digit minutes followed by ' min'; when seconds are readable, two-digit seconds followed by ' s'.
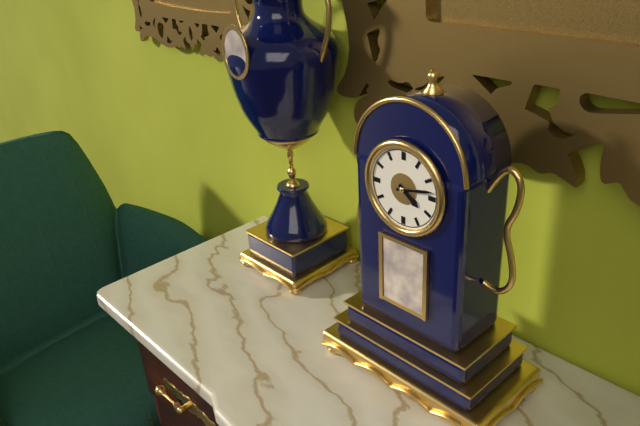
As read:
4 h 13 min
